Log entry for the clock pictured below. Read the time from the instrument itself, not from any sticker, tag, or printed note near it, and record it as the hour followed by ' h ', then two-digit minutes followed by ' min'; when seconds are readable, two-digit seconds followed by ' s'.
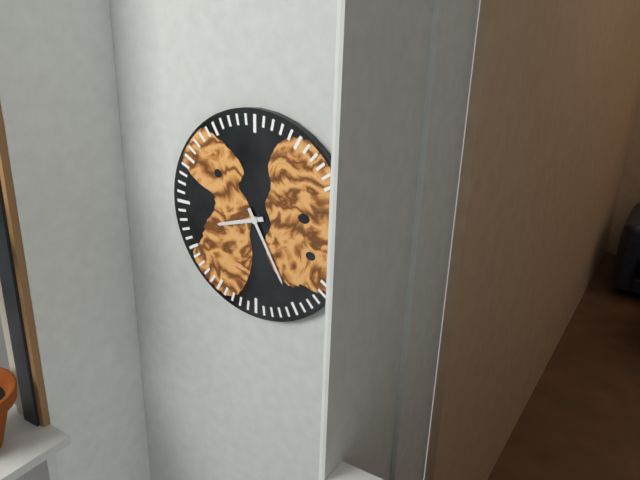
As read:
8 h 25 min
